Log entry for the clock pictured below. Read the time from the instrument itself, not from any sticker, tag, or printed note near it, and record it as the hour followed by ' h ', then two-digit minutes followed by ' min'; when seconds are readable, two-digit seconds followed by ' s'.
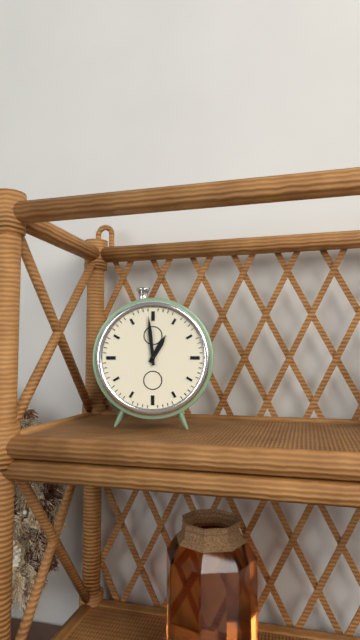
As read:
12 h 59 min
